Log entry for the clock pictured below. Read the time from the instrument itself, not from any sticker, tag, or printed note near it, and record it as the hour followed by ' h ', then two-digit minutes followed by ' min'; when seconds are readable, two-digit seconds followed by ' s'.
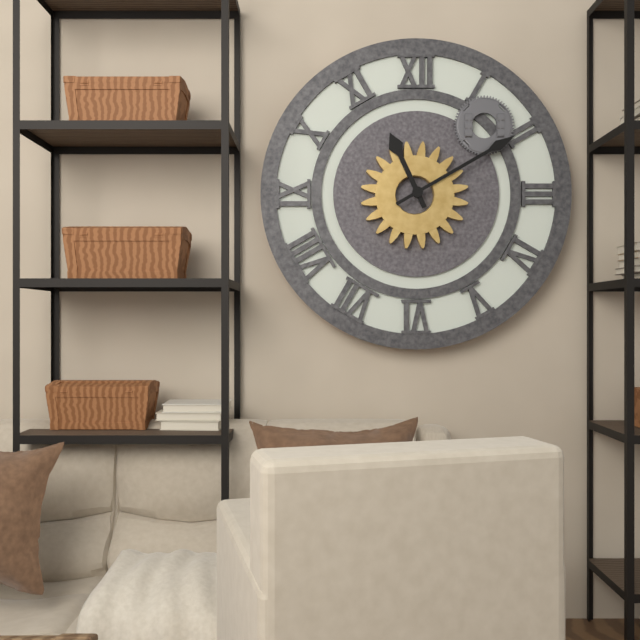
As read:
11 h 10 min
